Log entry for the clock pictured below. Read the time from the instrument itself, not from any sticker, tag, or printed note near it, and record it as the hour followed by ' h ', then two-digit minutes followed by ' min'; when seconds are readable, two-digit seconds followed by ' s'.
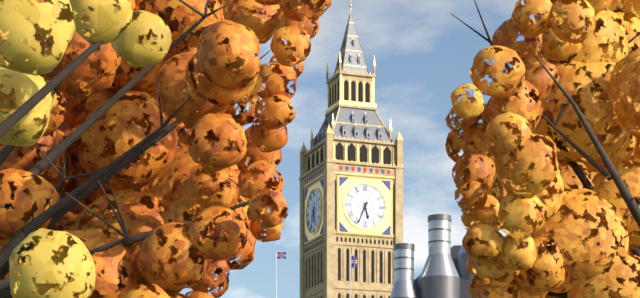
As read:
5 h 34 min
